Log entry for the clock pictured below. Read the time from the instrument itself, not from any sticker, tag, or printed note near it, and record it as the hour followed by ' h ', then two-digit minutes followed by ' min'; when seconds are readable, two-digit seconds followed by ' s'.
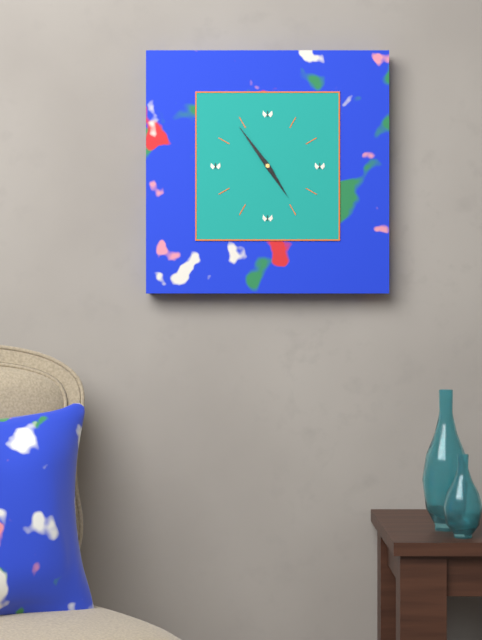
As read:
4 h 54 min
